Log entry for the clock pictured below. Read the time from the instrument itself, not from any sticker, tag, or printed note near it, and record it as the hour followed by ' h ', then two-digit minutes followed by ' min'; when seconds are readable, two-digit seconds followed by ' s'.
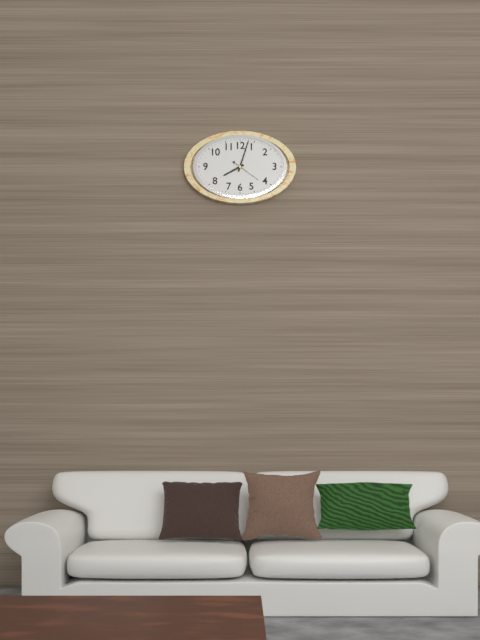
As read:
8 h 03 min
